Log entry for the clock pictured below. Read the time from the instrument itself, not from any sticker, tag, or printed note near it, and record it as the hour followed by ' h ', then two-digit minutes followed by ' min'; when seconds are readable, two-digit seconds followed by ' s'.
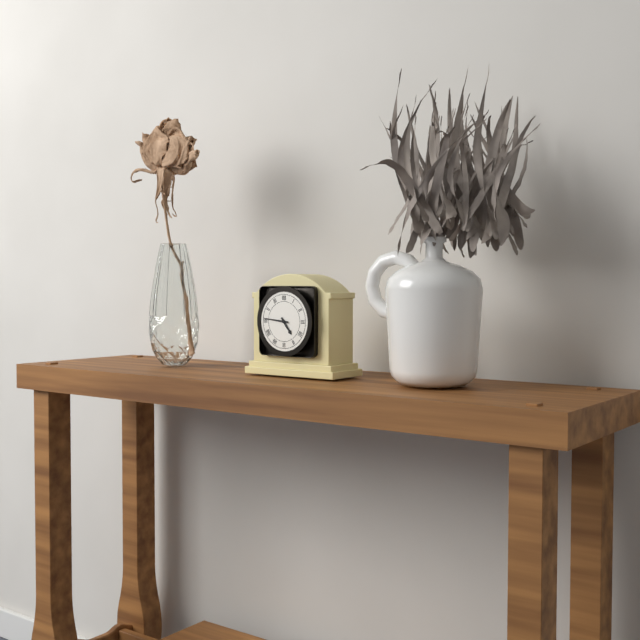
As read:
4 h 46 min
